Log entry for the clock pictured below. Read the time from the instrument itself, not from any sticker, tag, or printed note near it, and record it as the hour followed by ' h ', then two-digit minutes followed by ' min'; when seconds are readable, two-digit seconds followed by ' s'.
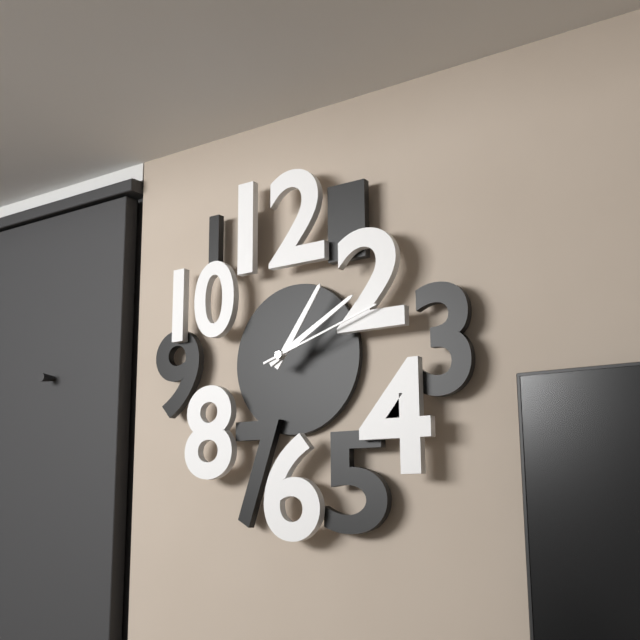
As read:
1 h 10 min 12 s
